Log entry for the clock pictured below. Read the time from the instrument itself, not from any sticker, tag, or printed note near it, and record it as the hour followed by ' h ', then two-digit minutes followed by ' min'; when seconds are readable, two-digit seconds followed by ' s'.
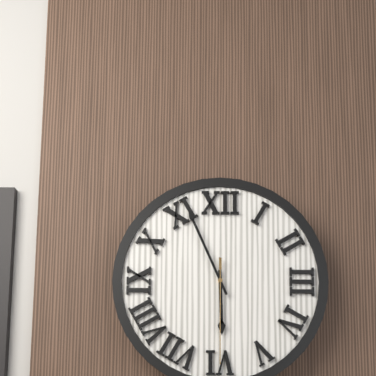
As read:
5 h 56 min 30 s
